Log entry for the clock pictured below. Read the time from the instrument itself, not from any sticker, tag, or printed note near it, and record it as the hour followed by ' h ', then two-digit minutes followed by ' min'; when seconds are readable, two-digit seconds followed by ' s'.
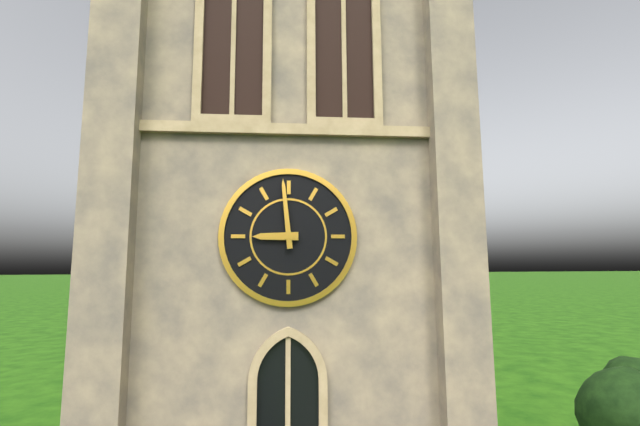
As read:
8 h 59 min
